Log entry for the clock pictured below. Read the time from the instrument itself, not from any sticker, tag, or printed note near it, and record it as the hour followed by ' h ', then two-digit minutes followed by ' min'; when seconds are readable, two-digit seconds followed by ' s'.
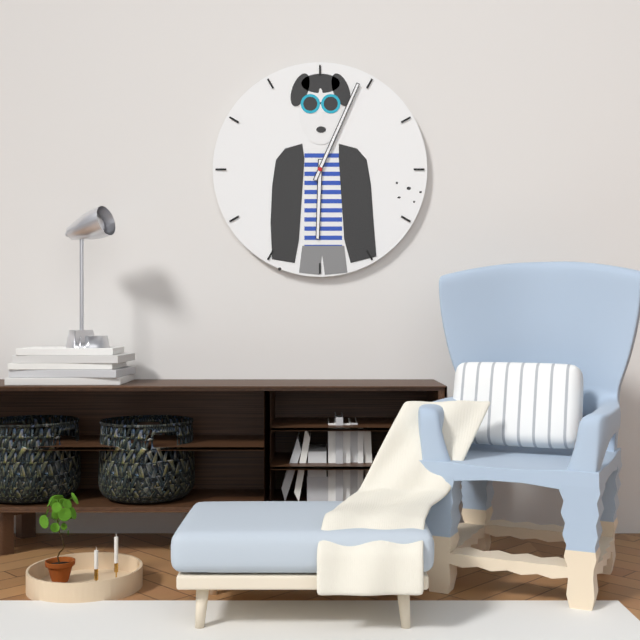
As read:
6 h 04 min
